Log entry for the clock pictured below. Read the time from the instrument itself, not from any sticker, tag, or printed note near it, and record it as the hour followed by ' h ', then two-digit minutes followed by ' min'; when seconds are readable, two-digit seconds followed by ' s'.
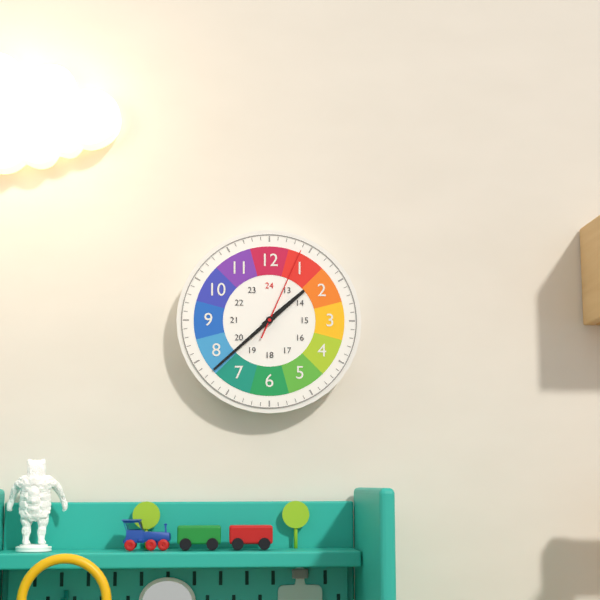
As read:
1 h 38 min 04 s
